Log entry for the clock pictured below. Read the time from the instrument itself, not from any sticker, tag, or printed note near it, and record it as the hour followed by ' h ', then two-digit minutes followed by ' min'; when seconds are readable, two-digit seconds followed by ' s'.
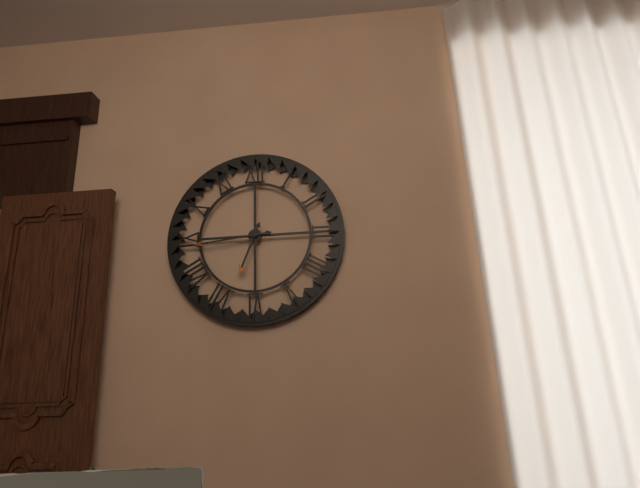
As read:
6 h 44 min
